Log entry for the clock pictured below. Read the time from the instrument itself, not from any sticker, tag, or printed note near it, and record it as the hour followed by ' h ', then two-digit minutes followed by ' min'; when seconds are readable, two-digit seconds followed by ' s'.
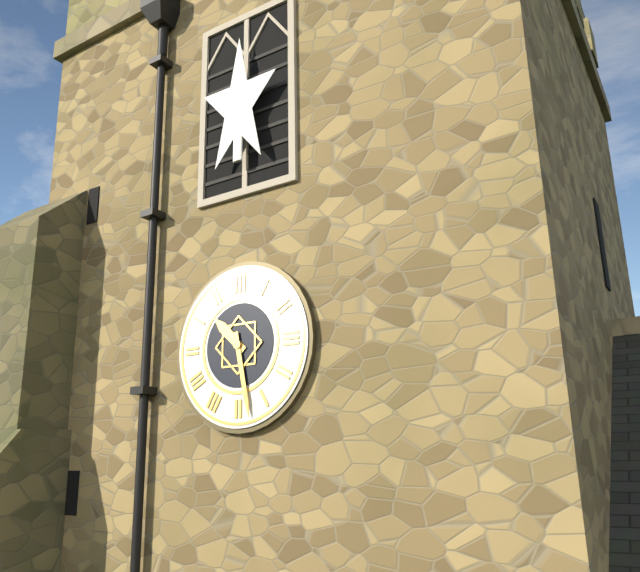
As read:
10 h 28 min
